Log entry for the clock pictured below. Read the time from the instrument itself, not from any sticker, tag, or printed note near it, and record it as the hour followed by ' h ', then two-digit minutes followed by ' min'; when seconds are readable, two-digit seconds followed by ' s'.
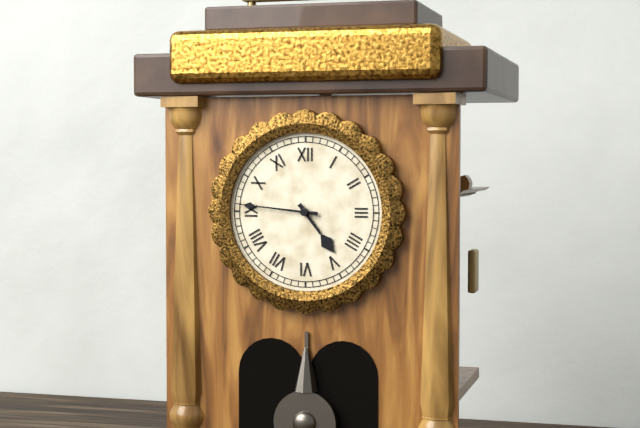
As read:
4 h 46 min
